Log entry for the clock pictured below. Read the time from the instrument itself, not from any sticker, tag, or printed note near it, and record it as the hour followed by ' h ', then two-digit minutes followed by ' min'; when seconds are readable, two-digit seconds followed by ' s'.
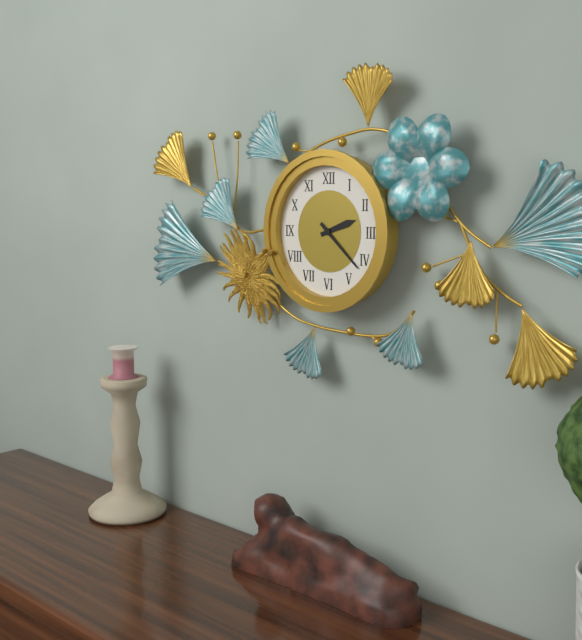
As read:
2 h 22 min
